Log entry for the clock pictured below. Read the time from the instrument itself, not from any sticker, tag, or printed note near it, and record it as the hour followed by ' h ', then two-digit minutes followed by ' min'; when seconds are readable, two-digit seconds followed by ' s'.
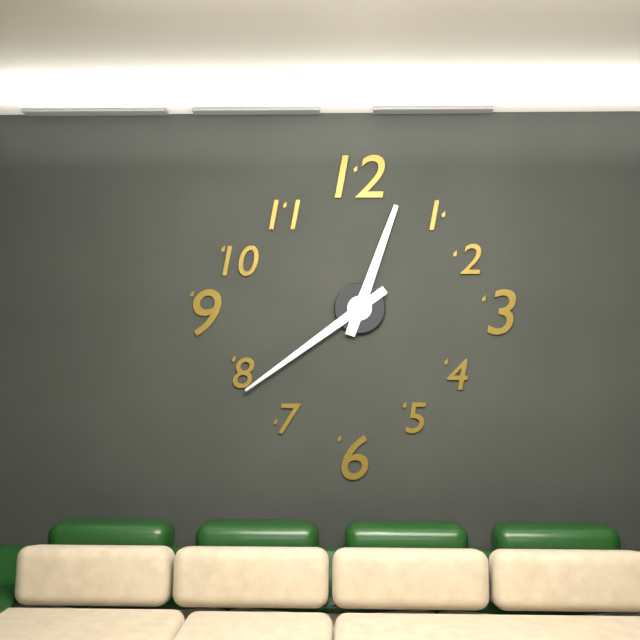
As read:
12 h 39 min
